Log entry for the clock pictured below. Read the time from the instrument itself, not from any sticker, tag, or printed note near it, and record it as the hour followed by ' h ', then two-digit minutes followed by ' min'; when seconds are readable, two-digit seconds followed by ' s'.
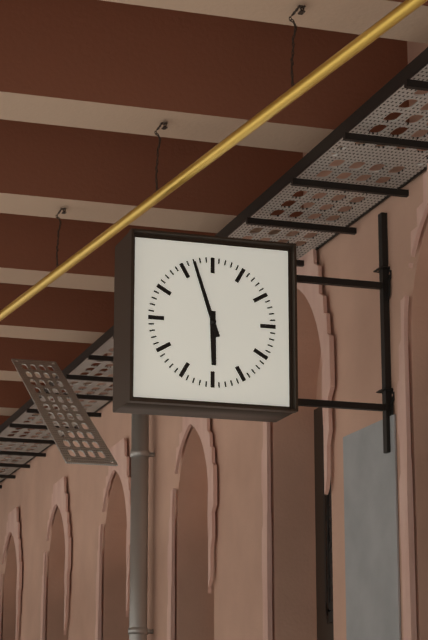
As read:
5 h 57 min
